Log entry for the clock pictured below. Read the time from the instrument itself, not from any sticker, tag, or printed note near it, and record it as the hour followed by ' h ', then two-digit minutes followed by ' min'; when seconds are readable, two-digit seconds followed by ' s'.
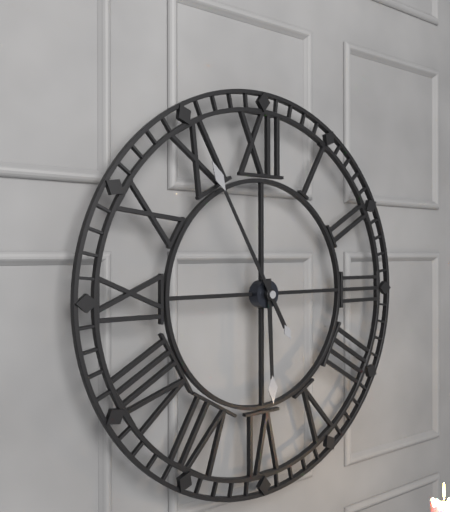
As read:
5 h 55 min
